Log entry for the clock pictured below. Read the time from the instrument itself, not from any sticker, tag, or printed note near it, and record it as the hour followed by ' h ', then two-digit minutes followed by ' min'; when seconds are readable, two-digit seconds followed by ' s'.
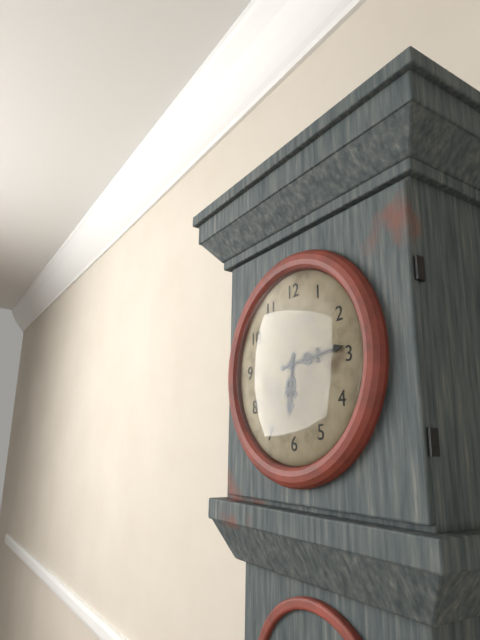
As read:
6 h 14 min
